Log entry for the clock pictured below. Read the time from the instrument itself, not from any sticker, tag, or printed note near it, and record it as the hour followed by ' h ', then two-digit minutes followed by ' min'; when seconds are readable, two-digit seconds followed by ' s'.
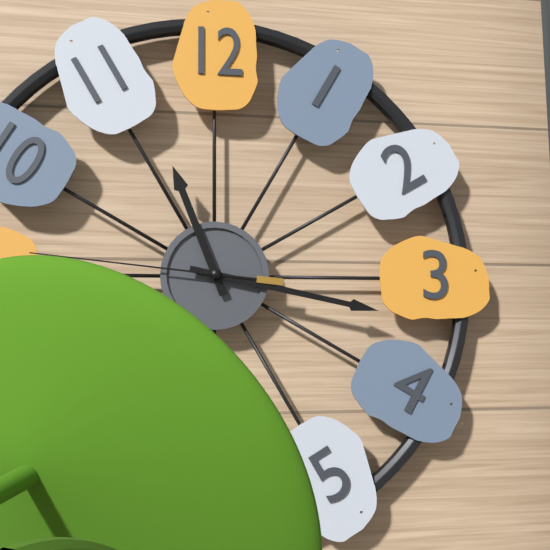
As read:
11 h 17 min 46 s
